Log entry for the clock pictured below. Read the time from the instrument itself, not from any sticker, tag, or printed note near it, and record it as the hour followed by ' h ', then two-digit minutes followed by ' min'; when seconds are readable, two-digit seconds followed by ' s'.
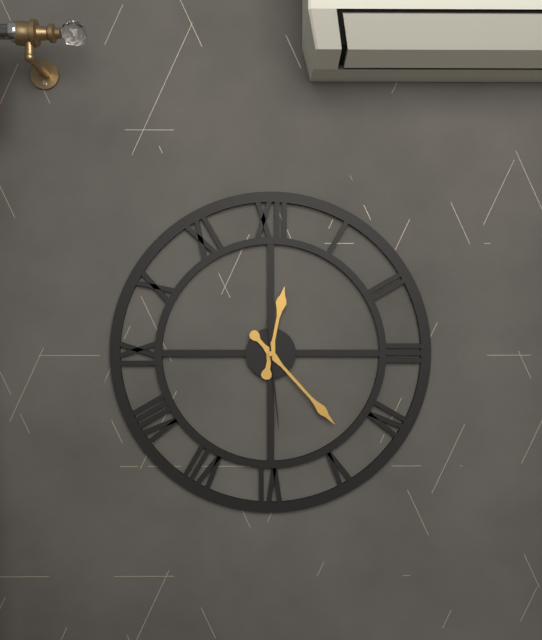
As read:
12 h 23 min 29 s
